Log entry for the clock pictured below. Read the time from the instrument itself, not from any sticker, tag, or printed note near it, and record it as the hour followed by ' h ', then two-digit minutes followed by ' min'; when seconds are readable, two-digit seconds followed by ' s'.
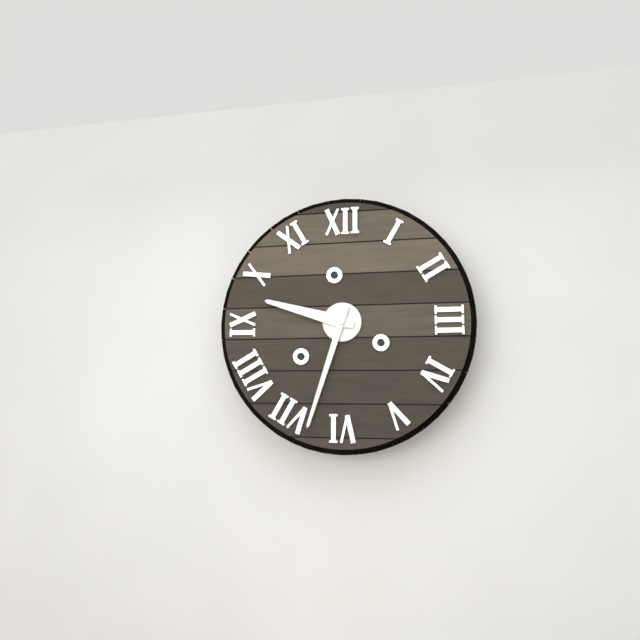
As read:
9 h 33 min
